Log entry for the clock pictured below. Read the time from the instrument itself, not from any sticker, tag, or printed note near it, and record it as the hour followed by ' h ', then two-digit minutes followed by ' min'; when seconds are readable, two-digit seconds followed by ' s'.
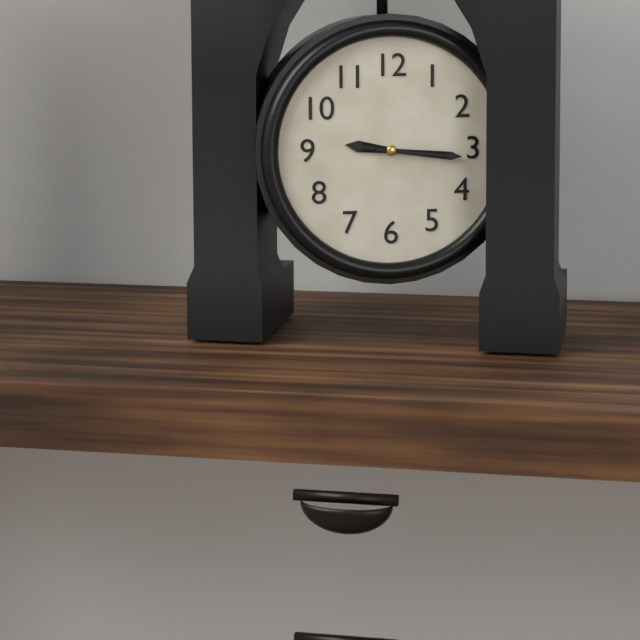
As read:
9 h 16 min
